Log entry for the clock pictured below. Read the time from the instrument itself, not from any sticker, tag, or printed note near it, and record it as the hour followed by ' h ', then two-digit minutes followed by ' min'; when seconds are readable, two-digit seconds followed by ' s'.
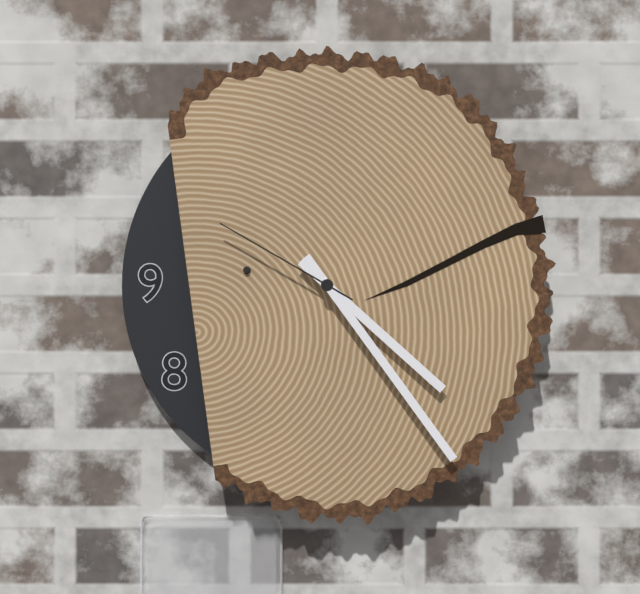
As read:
4 h 24 min 50 s
